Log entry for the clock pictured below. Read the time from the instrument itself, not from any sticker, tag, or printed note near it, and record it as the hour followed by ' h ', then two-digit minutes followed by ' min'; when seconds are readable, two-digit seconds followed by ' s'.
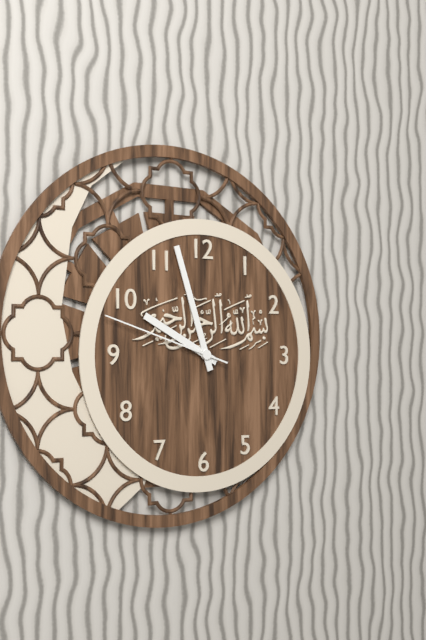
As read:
9 h 57 min 48 s
